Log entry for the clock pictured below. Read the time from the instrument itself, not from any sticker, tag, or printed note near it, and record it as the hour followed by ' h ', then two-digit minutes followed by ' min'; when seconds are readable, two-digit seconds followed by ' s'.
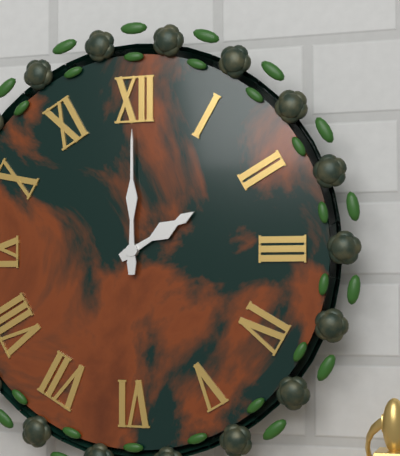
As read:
2 h 00 min
